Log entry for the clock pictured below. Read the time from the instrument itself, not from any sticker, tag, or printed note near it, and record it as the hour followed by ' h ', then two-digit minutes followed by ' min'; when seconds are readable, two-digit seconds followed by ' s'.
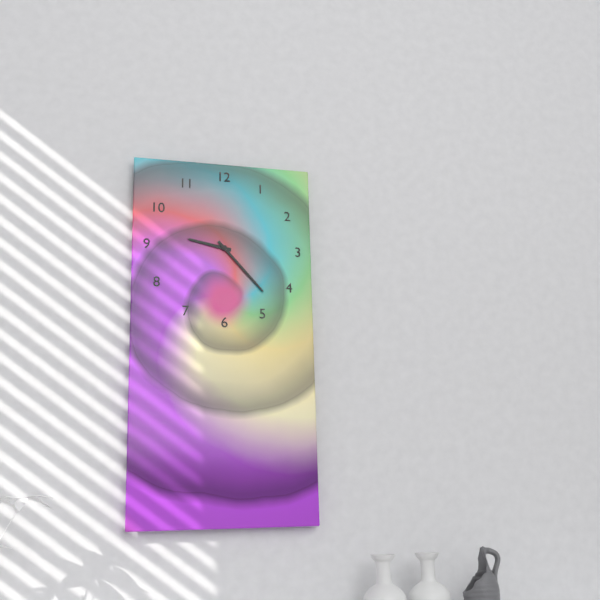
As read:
9 h 23 min
